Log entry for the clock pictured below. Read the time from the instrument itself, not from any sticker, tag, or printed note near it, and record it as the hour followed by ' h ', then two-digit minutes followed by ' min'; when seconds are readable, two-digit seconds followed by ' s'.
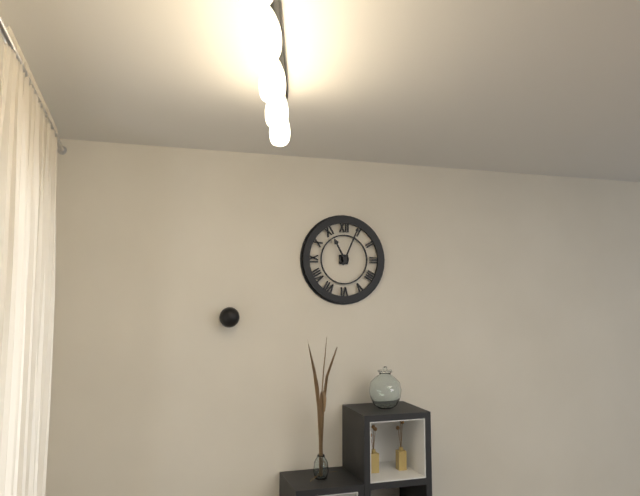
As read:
11 h 04 min
